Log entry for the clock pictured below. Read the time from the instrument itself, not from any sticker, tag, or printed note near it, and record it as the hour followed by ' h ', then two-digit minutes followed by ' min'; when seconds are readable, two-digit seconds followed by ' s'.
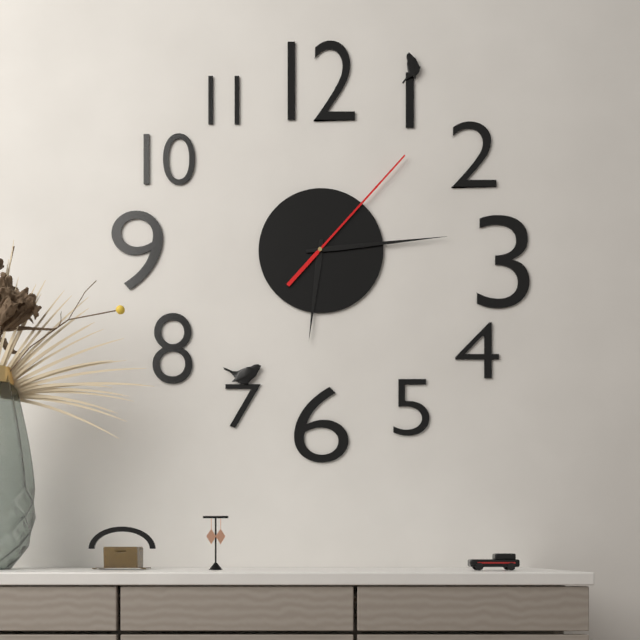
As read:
6 h 14 min 07 s
